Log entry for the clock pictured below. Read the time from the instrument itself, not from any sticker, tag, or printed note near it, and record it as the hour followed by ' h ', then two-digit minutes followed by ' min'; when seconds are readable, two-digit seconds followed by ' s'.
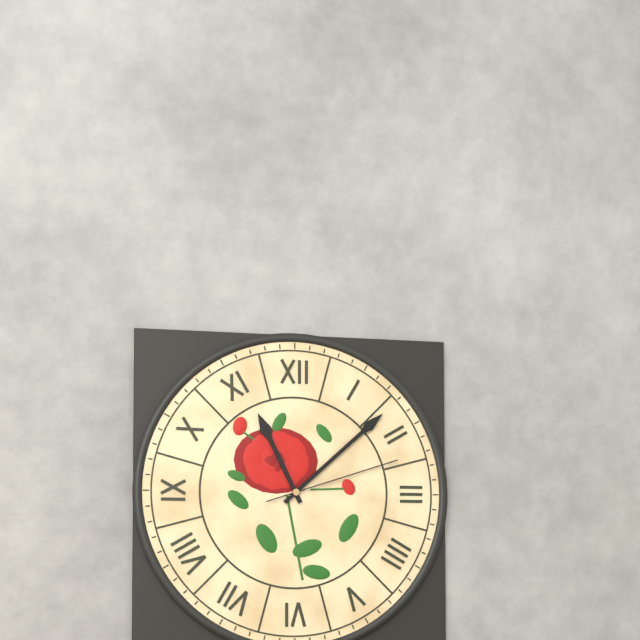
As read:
11 h 08 min 12 s
